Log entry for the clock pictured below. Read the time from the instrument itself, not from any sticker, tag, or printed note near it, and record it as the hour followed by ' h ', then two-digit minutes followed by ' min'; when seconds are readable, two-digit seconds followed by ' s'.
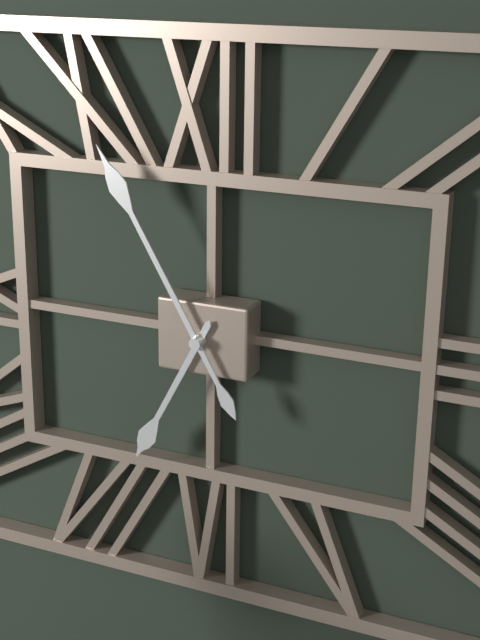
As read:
6 h 55 min
